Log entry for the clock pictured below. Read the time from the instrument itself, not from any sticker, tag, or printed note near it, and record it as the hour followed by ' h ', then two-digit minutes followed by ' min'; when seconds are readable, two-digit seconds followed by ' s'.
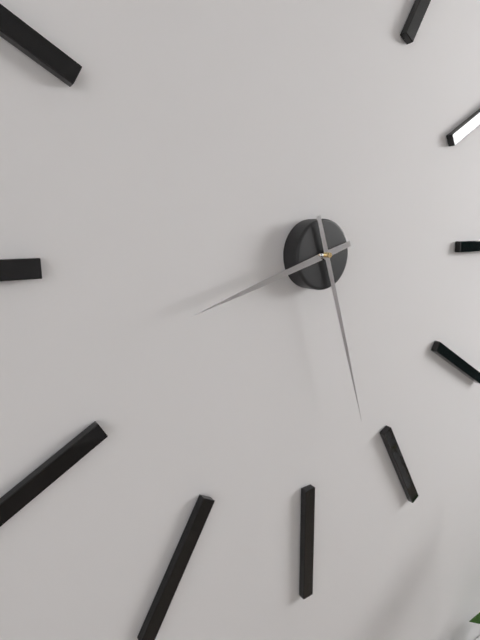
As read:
8 h 27 min
